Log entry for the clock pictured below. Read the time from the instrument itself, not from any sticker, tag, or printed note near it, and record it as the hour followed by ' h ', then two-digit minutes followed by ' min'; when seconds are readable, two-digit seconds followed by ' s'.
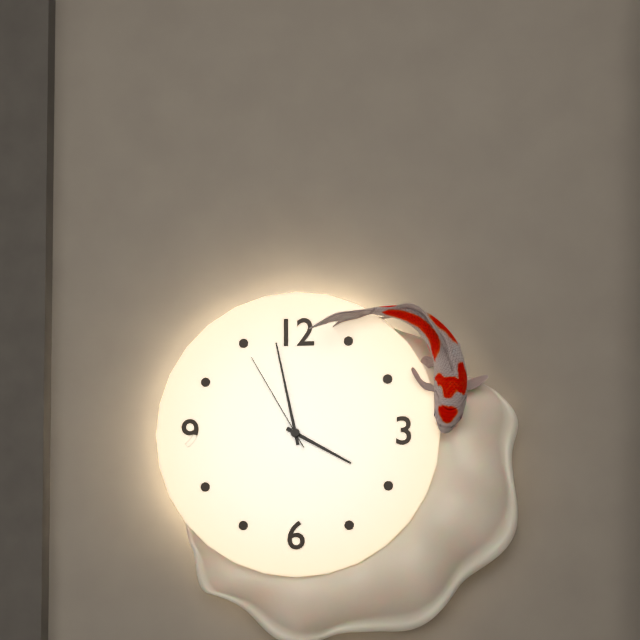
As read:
3 h 58 min 55 s
